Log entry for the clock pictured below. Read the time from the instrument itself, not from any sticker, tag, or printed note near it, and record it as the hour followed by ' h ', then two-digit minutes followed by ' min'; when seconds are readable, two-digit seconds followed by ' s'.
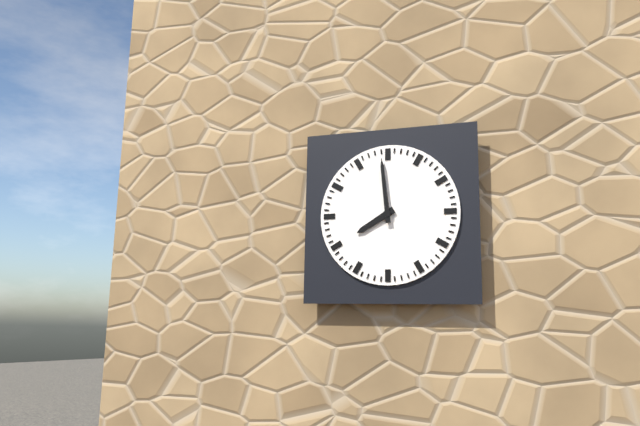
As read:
7 h 59 min
